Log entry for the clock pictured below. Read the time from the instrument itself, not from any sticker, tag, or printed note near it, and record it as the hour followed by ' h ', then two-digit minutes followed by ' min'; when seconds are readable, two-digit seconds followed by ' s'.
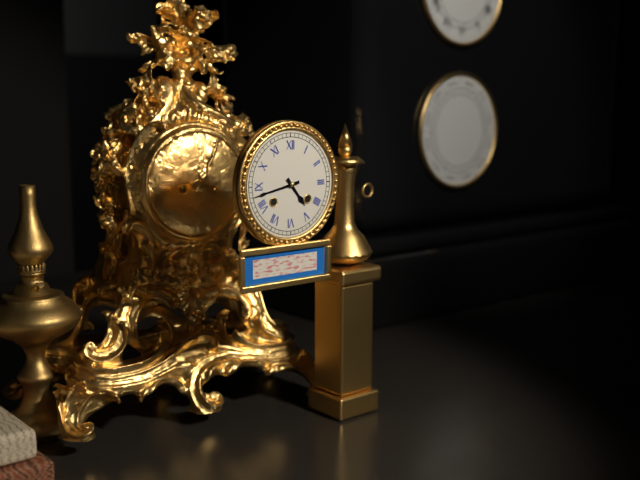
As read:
4 h 43 min
